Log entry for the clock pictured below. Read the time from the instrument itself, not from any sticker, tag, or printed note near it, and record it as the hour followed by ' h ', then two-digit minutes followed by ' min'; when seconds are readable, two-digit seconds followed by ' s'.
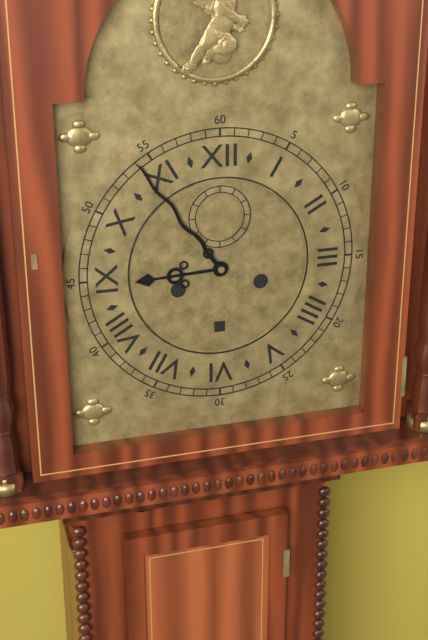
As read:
8 h 54 min
